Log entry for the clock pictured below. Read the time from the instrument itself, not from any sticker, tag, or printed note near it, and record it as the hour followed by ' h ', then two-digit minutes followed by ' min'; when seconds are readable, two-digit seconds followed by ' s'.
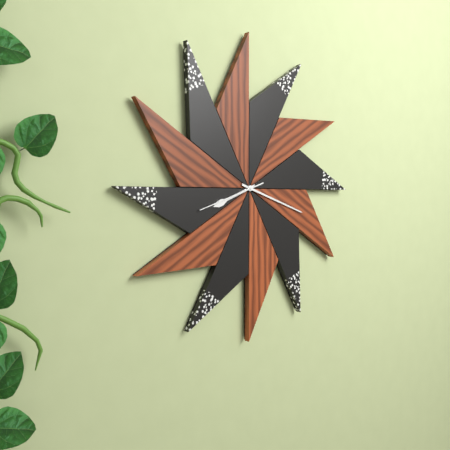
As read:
8 h 18 min 42 s
